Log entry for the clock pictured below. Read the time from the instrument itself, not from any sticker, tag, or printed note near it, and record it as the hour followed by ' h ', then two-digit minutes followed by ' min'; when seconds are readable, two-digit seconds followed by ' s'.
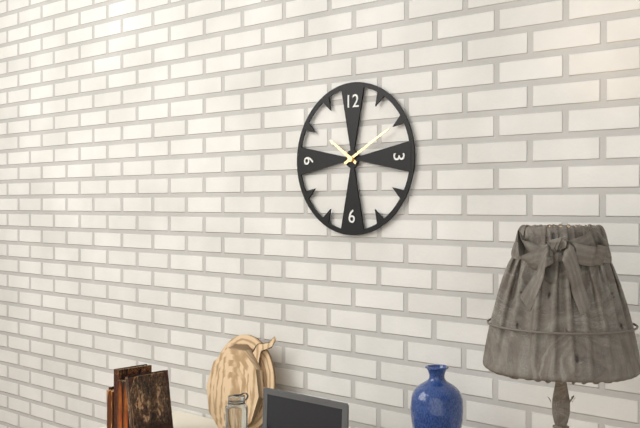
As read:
10 h 10 min
